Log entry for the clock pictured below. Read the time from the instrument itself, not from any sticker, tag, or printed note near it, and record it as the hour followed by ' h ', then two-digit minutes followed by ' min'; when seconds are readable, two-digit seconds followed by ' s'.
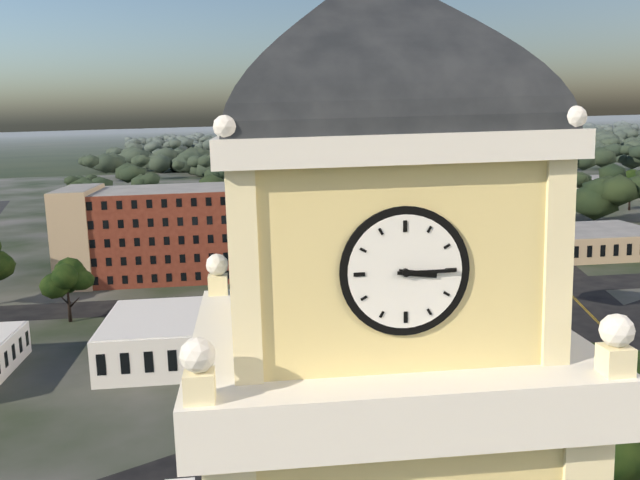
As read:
3 h 15 min
